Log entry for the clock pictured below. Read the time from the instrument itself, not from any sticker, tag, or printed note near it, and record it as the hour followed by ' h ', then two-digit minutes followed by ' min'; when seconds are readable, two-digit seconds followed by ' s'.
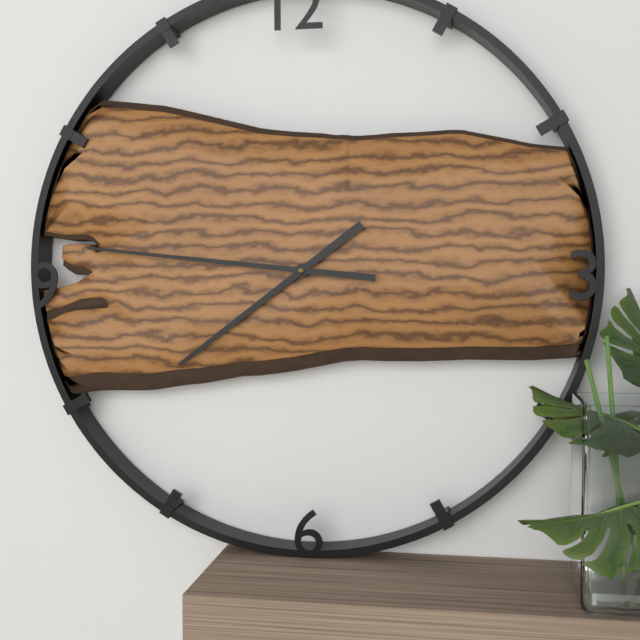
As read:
7 h 46 min
